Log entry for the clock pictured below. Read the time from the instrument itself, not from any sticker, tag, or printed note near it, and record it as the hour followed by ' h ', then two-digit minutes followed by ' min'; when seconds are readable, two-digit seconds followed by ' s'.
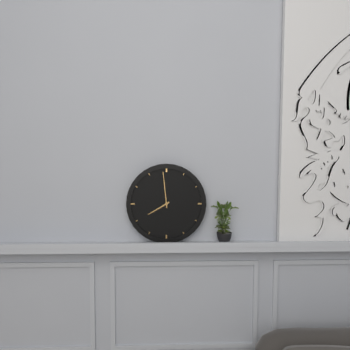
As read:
7 h 59 min
